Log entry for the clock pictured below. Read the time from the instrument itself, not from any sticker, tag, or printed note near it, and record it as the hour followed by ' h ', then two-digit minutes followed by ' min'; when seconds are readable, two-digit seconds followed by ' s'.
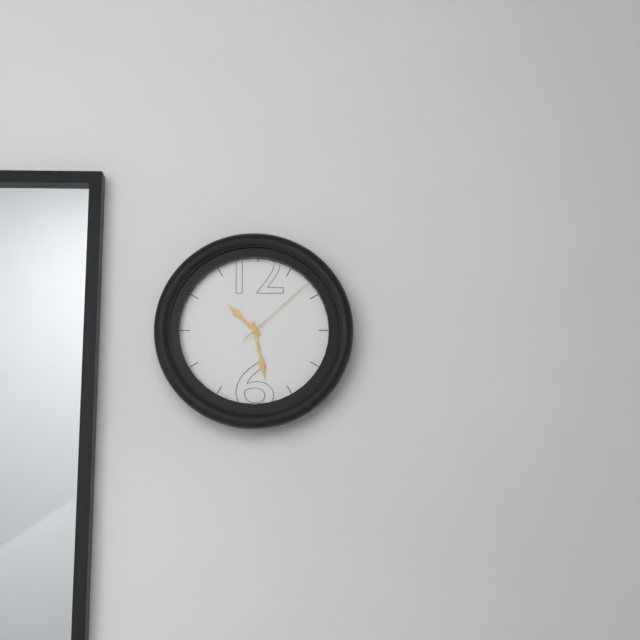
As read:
10 h 28 min 08 s
